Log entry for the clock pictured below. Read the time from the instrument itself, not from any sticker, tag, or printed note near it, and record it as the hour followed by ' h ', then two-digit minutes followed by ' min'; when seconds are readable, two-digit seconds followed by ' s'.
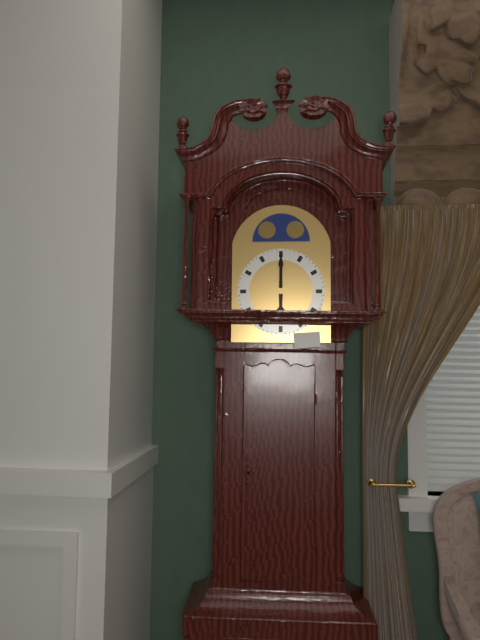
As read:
6 h 00 min
